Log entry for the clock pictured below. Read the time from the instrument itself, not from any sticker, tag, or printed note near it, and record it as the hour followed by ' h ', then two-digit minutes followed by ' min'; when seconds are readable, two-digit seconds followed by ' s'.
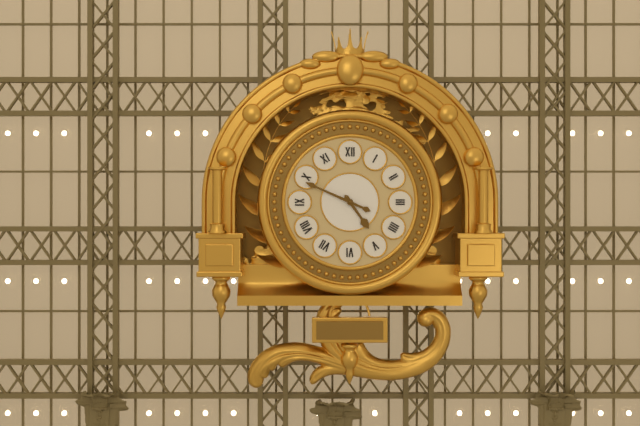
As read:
4 h 49 min
